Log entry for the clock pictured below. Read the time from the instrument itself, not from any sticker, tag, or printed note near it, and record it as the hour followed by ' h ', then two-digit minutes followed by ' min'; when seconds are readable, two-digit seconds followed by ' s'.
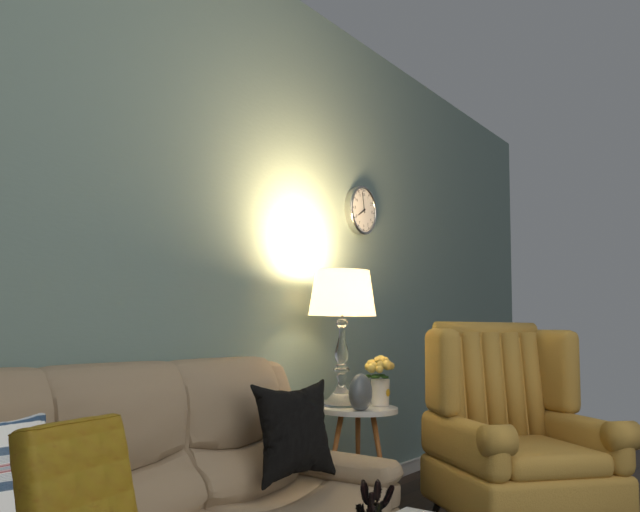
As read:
7 h 58 min
